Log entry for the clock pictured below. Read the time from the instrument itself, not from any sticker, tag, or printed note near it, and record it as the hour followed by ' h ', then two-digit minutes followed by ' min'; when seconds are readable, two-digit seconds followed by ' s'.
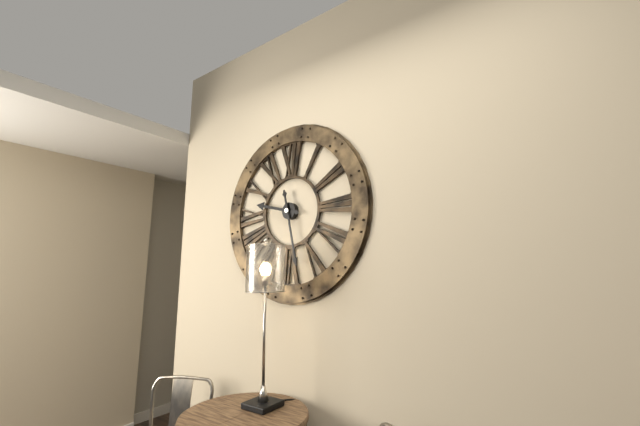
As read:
9 h 28 min
